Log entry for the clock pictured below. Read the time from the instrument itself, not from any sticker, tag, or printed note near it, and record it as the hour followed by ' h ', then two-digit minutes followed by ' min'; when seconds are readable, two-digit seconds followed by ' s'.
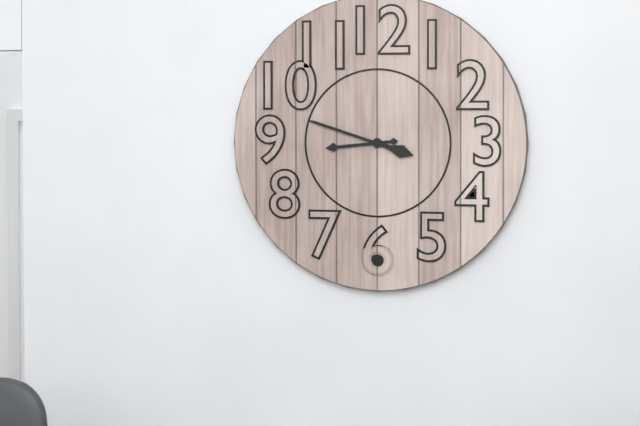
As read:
8 h 48 min
